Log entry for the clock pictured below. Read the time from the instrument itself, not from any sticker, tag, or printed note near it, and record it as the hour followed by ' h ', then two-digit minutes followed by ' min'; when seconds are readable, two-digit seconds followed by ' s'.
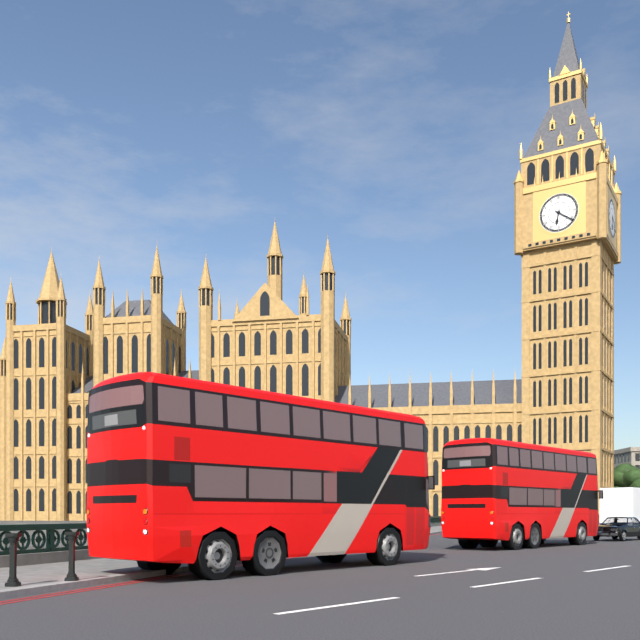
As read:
6 h 21 min
